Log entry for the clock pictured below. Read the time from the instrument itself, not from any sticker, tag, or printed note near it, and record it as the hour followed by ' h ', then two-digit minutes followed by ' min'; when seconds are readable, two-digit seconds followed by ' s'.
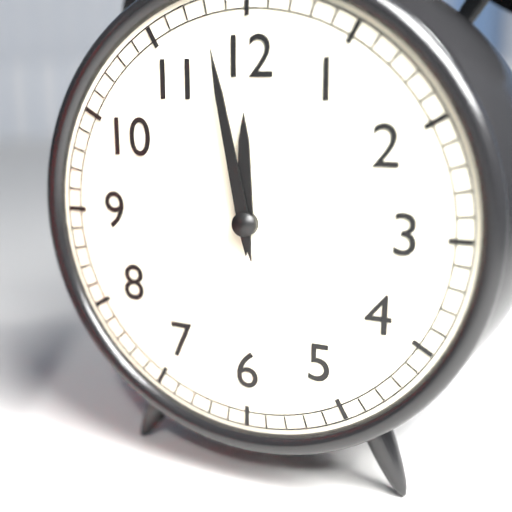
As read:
11 h 58 min
